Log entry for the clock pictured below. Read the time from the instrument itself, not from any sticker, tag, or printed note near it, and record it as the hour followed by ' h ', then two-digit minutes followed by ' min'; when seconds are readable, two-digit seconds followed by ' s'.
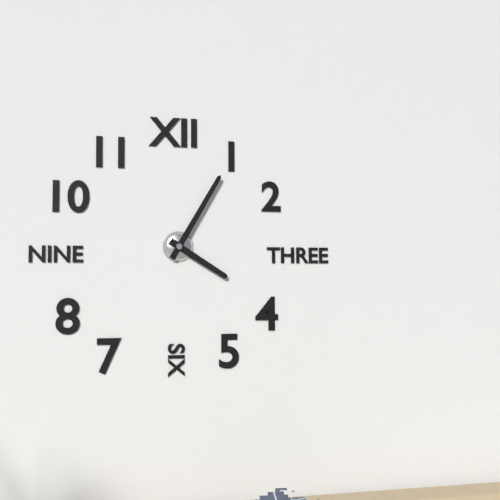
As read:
4 h 05 min
